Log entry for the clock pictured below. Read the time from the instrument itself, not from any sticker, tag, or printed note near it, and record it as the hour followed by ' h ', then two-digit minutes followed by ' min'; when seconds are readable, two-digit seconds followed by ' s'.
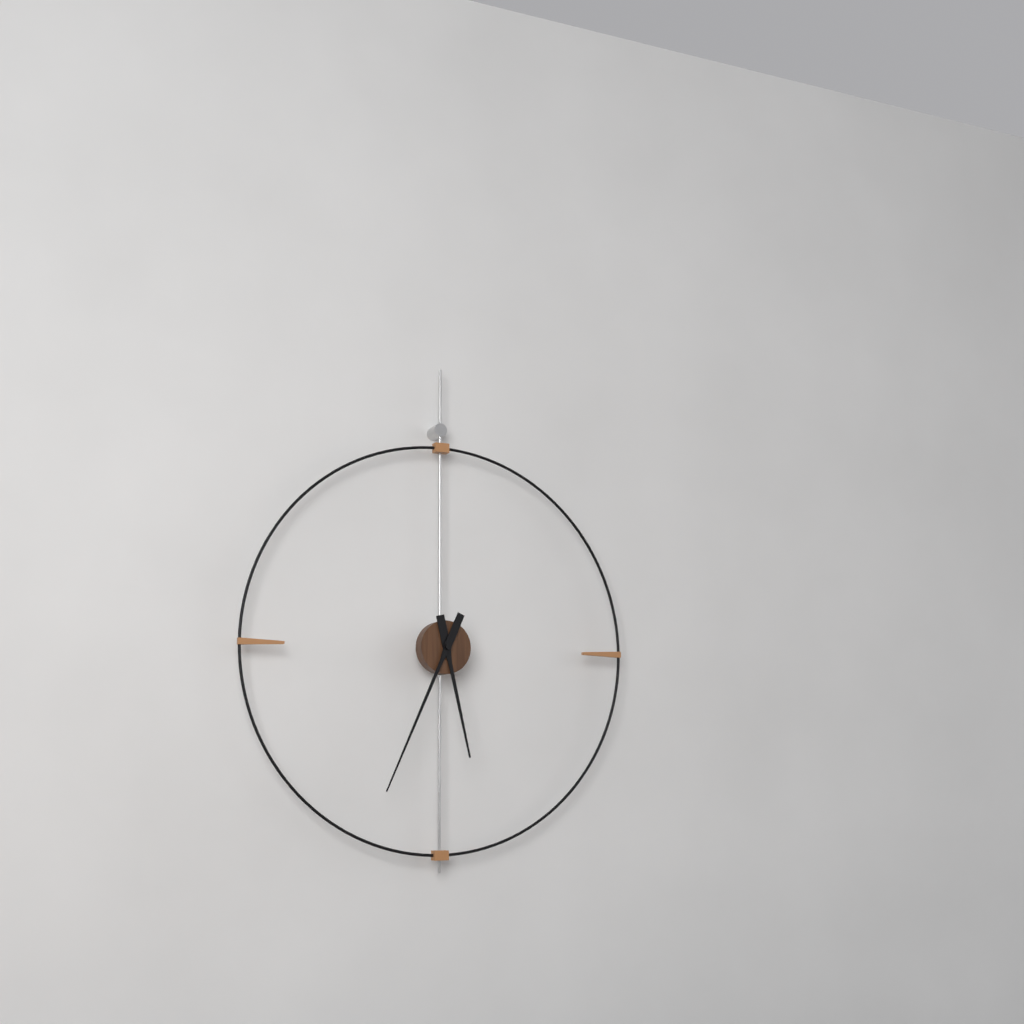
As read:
5 h 34 min
